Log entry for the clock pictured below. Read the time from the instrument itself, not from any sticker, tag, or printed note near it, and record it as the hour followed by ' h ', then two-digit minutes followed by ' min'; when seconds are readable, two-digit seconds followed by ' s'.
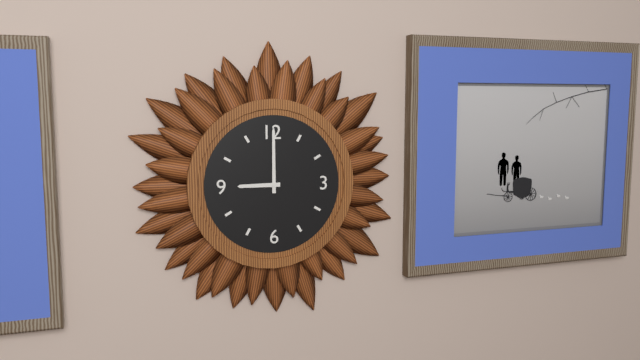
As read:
9 h 00 min
